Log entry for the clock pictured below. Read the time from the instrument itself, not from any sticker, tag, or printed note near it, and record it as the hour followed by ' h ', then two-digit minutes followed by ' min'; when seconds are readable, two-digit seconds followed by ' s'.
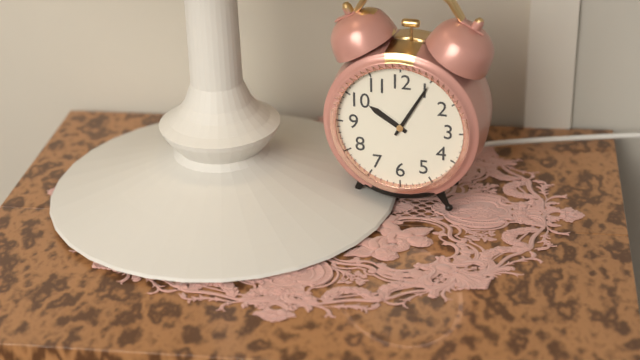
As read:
10 h 05 min
